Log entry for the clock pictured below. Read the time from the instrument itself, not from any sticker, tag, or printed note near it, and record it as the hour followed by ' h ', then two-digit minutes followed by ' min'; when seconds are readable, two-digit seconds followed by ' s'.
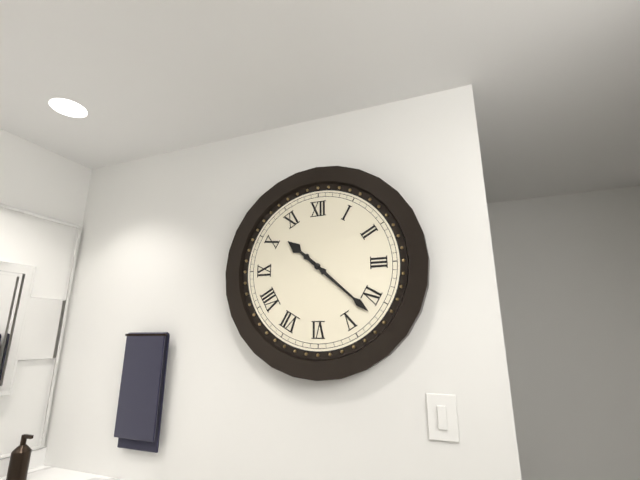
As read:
10 h 22 min
